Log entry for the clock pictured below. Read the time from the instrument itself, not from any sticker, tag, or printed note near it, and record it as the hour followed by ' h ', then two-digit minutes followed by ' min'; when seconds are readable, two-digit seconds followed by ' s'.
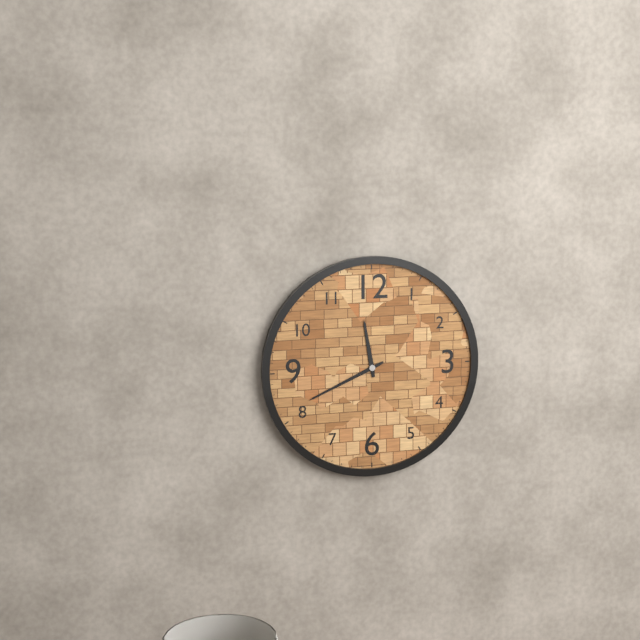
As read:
11 h 41 min
